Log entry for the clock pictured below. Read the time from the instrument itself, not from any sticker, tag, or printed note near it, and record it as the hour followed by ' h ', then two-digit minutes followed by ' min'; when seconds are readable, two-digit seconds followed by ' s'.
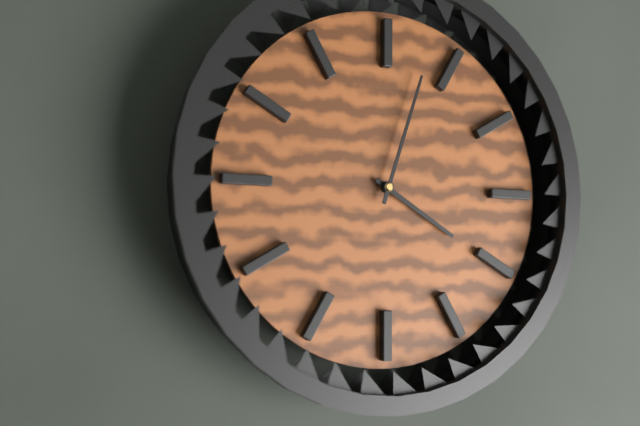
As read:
4 h 03 min
